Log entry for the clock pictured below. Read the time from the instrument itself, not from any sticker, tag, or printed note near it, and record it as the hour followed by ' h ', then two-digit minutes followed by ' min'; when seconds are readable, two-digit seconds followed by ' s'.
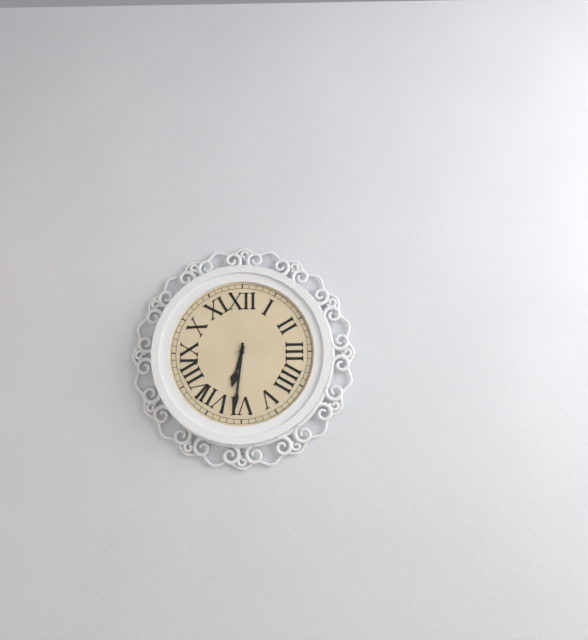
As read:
6 h 31 min
